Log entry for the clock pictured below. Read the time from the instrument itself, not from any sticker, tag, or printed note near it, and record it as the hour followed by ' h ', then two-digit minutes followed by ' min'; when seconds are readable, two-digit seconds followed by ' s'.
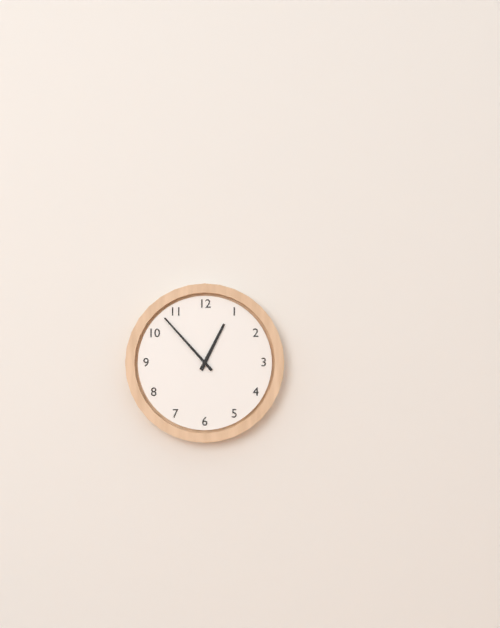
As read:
12 h 53 min
